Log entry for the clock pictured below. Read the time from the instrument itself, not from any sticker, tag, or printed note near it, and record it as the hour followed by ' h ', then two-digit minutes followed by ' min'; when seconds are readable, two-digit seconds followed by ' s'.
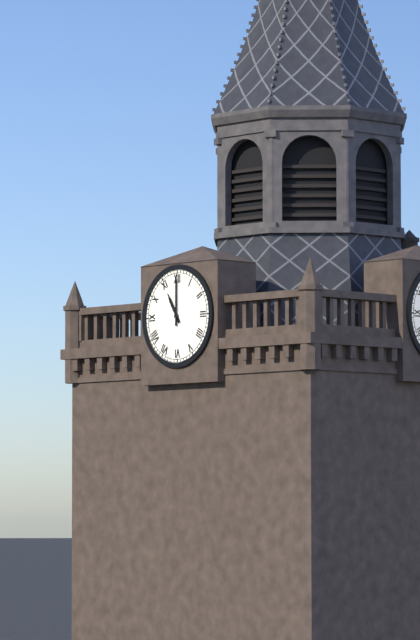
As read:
11 h 00 min
